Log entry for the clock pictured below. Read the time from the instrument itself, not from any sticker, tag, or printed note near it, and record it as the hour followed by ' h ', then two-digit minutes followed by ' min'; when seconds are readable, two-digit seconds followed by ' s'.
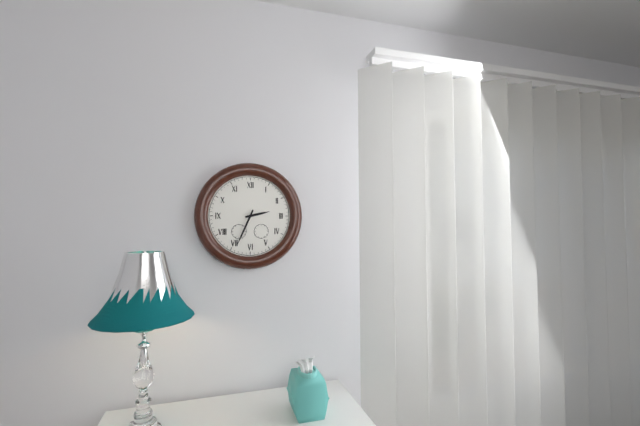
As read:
2 h 34 min
